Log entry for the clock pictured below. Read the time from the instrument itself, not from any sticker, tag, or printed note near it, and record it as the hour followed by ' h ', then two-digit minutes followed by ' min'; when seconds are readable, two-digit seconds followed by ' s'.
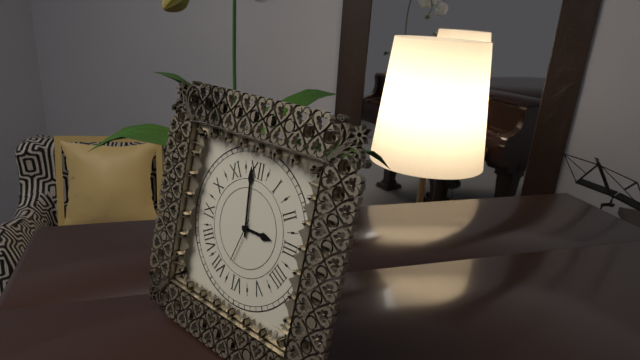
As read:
2 h 59 min
